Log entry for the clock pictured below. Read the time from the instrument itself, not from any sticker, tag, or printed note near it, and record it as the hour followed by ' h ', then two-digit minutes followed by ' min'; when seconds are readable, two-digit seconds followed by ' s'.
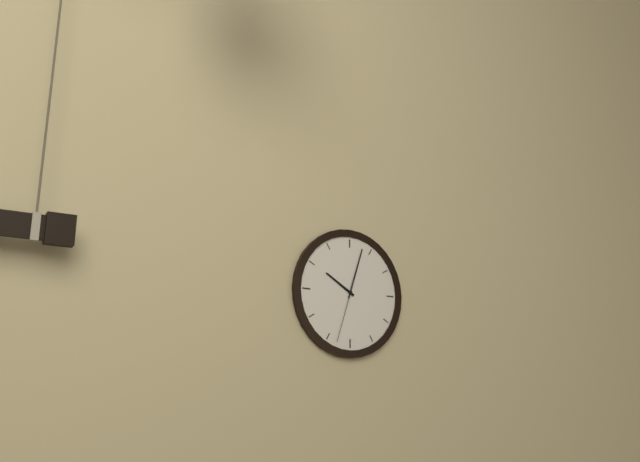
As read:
10 h 03 min 33 s
